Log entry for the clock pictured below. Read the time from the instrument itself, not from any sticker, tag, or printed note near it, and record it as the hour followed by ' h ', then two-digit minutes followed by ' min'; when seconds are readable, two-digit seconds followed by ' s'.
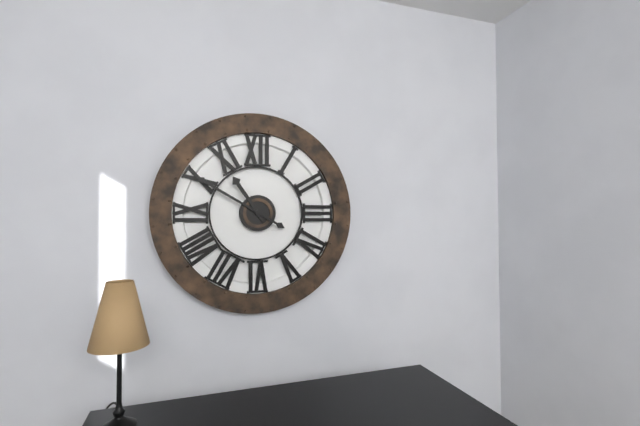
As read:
10 h 50 min
